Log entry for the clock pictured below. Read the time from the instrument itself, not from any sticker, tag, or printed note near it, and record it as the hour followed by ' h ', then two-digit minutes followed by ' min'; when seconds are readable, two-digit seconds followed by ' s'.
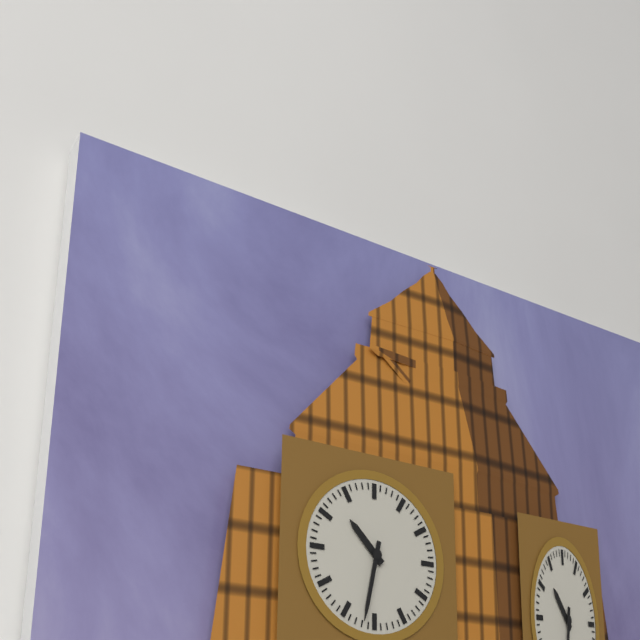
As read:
10 h 32 min
